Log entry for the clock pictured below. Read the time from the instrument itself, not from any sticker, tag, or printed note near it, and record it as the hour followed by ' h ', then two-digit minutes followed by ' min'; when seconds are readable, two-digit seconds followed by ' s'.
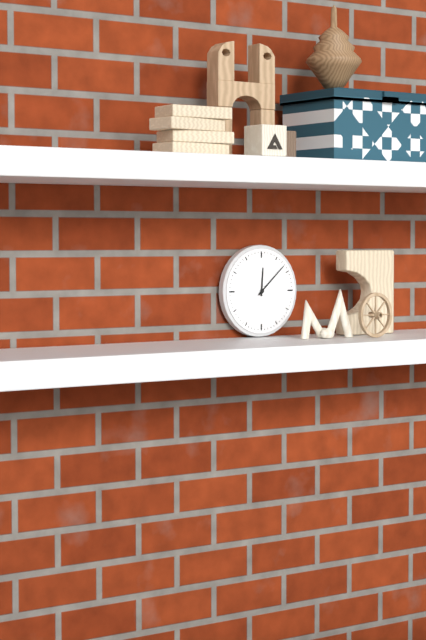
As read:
12 h 08 min
